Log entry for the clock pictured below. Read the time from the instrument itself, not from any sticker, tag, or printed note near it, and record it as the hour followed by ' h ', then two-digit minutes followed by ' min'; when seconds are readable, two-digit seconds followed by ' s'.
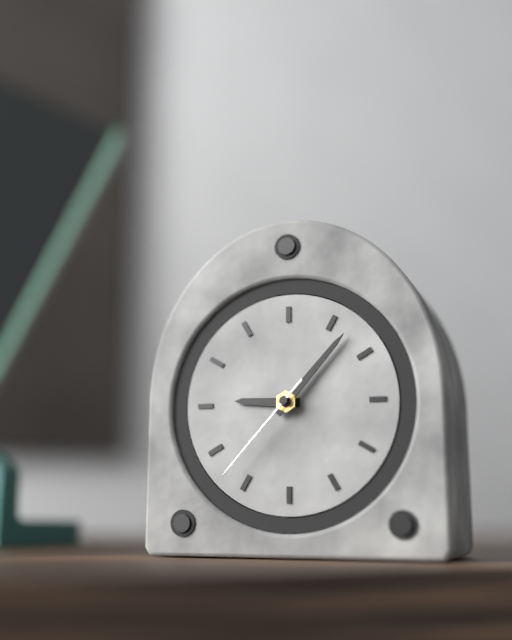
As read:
9 h 07 min 37 s
